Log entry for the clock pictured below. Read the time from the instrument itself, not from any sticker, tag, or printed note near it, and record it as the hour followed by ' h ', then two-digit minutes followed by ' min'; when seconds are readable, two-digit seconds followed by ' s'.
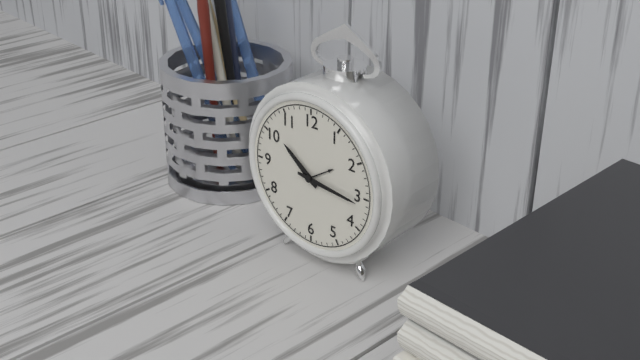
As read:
10 h 16 min
